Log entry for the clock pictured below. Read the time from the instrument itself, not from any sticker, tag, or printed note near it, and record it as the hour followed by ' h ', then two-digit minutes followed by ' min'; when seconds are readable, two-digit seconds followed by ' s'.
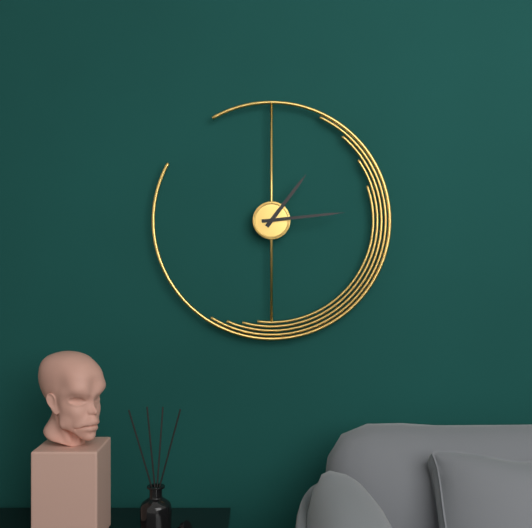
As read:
1 h 14 min
